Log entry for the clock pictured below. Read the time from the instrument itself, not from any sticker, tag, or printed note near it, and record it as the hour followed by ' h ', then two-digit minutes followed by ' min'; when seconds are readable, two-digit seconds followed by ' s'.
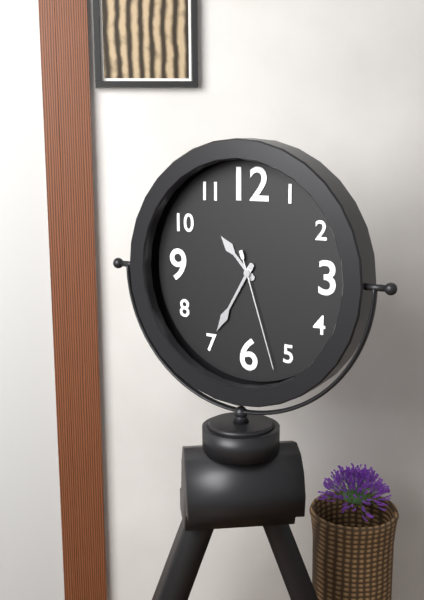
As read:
10 h 35 min 27 s
